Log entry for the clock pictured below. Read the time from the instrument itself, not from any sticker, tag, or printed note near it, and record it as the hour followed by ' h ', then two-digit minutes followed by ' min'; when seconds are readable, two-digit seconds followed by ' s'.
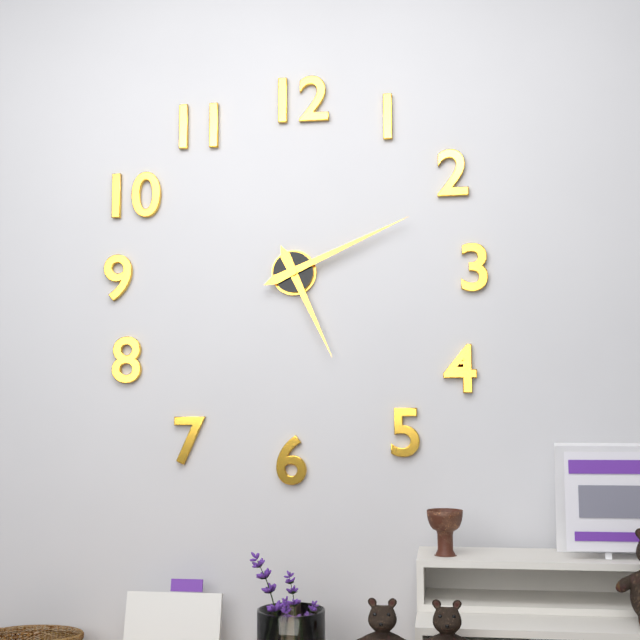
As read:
5 h 11 min
